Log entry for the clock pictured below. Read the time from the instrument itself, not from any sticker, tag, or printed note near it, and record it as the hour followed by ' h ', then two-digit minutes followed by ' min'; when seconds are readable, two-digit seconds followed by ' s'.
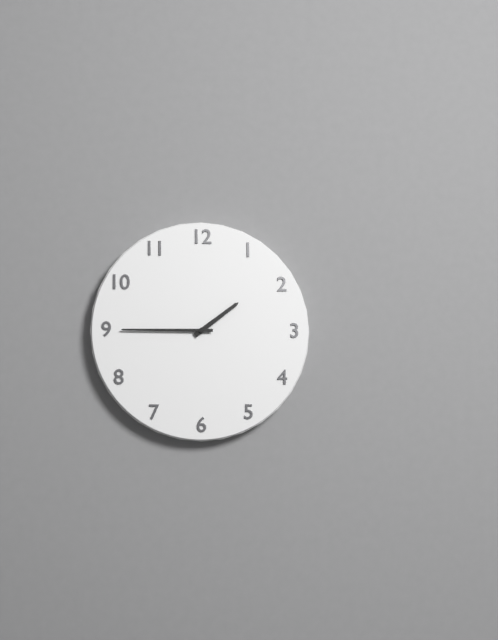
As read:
1 h 45 min
